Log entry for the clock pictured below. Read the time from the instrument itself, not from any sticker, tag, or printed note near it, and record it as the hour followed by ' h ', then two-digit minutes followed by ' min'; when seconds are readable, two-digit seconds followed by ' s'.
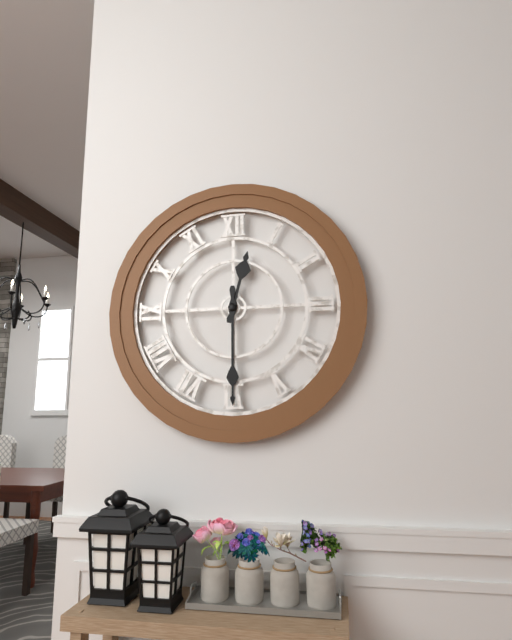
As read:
12 h 30 min
